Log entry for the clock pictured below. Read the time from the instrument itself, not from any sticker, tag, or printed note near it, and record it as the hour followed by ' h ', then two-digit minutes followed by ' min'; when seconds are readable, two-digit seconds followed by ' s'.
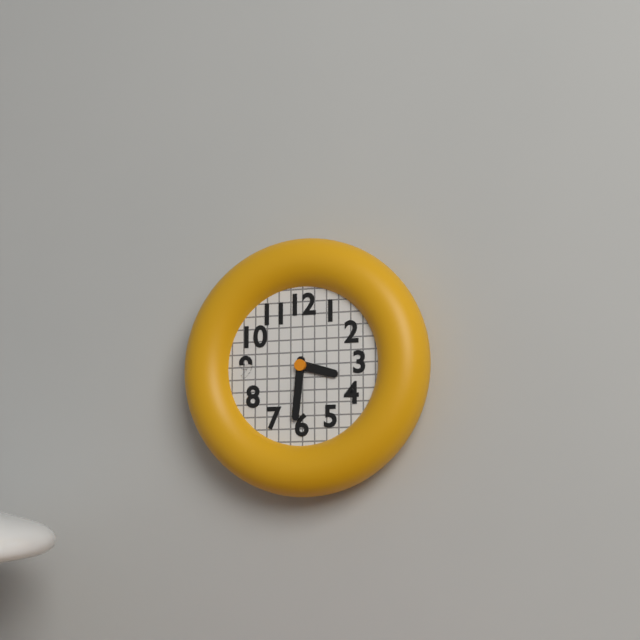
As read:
3 h 31 min
